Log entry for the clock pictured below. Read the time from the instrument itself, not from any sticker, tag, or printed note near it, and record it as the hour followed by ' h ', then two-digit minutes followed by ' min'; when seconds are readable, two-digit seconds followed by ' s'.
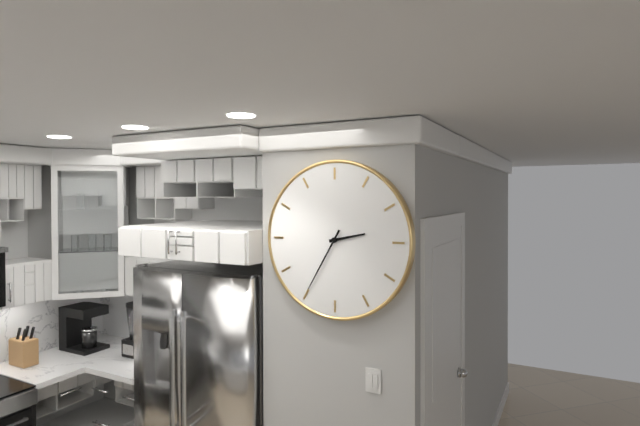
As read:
2 h 35 min
